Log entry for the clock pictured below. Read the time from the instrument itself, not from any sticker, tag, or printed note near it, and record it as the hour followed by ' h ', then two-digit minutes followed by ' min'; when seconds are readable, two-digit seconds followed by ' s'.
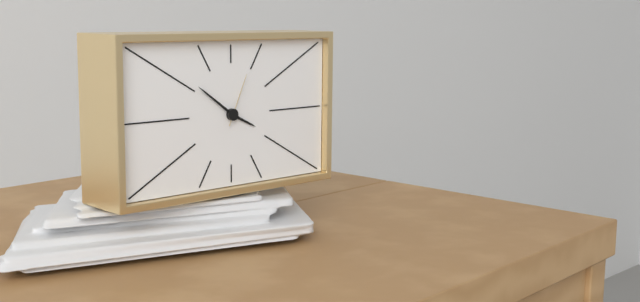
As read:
3 h 51 min 04 s
